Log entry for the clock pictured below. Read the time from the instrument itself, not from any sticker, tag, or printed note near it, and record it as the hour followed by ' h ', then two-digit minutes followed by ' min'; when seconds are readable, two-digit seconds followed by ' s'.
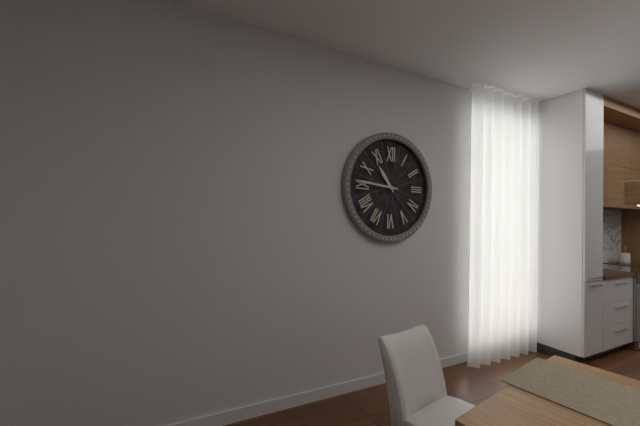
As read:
10 h 46 min
